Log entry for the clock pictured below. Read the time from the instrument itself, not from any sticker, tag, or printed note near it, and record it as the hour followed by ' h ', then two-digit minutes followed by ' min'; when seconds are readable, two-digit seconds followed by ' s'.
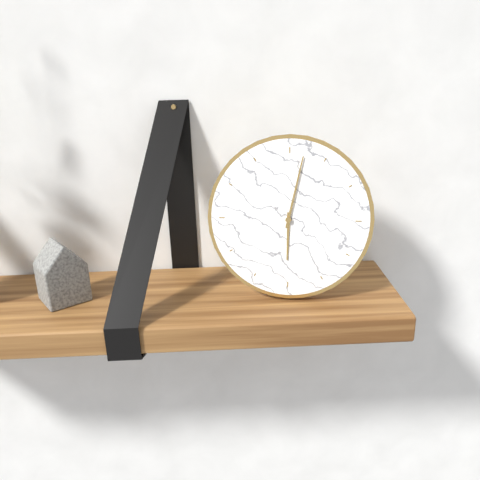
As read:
6 h 02 min
